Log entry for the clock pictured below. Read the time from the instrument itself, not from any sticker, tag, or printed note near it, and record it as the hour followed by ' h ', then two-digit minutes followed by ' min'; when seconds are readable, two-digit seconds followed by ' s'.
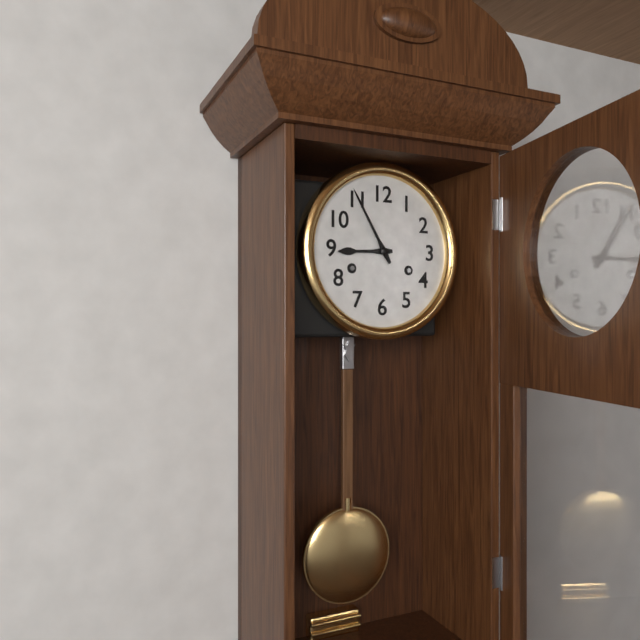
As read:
8 h 55 min
